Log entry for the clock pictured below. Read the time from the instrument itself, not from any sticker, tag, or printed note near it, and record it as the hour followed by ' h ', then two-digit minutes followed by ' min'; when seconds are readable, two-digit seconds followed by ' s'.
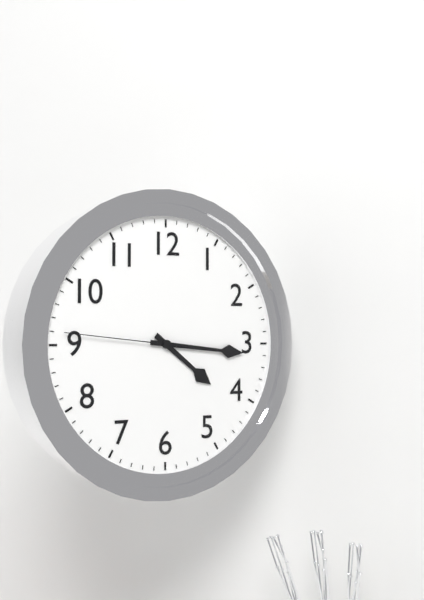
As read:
4 h 16 min 46 s
